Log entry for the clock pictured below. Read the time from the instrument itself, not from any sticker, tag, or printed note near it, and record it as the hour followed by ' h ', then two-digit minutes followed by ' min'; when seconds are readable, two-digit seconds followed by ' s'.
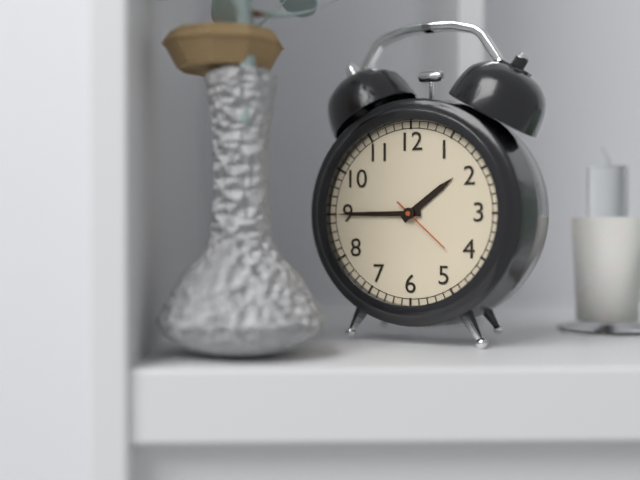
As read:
1 h 45 min 22 s
